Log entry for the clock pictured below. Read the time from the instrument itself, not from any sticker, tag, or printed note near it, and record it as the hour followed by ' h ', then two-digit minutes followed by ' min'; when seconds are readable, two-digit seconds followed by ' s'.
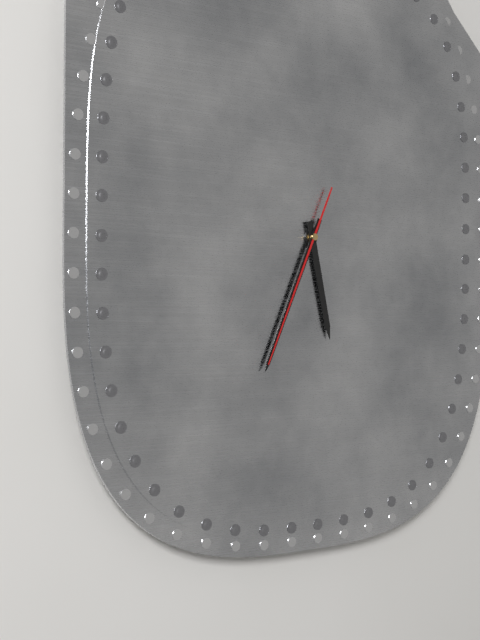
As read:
5 h 34 min 34 s
